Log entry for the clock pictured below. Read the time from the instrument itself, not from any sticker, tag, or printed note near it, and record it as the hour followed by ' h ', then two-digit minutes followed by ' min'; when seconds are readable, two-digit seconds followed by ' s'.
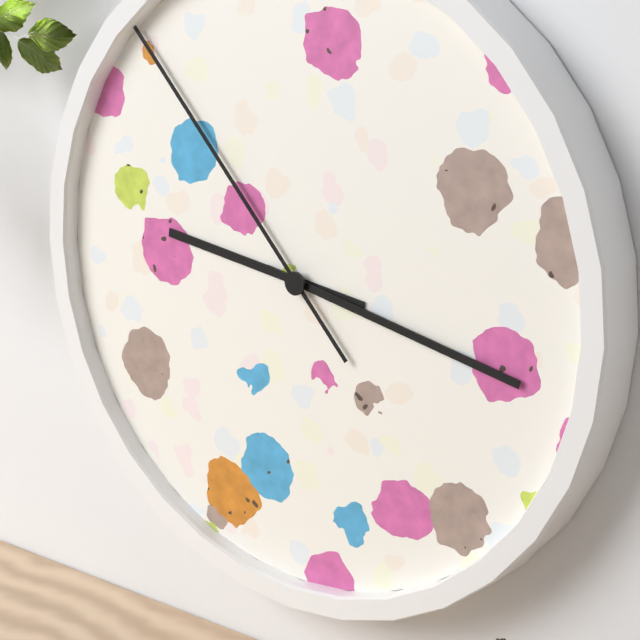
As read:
9 h 17 min 53 s
